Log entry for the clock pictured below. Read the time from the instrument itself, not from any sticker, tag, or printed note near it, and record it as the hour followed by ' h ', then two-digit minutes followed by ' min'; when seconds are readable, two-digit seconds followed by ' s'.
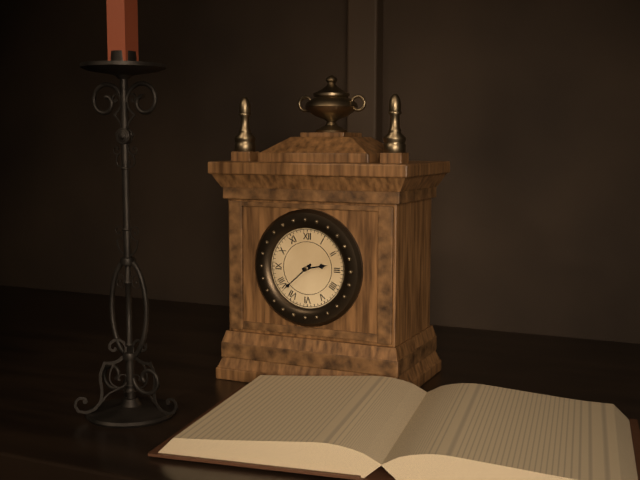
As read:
2 h 38 min
